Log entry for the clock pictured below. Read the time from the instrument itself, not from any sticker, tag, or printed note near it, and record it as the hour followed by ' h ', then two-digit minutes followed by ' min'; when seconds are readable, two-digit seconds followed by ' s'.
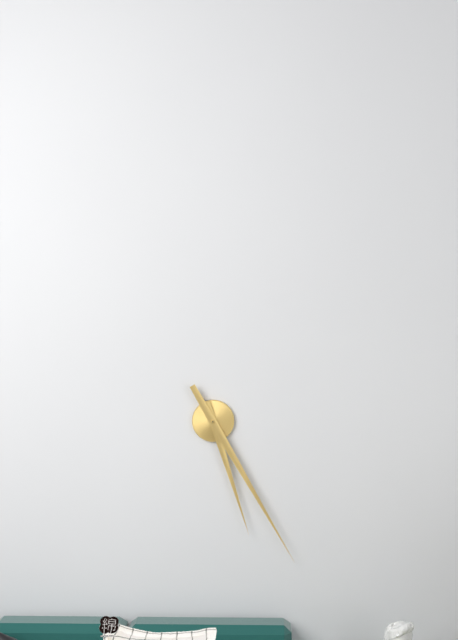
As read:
5 h 25 min
